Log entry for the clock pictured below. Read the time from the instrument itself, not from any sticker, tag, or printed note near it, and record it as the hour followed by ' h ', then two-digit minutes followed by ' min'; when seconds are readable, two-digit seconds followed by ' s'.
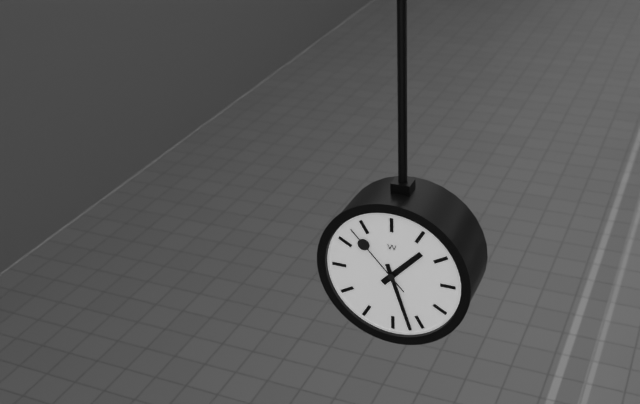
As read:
1 h 27 min 53 s
